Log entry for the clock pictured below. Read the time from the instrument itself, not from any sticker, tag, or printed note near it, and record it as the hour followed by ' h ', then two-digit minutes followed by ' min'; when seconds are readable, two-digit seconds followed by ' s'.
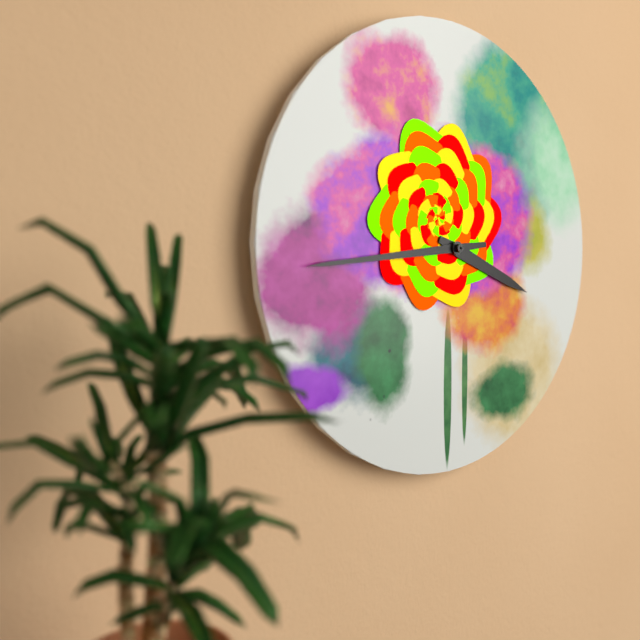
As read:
3 h 44 min
